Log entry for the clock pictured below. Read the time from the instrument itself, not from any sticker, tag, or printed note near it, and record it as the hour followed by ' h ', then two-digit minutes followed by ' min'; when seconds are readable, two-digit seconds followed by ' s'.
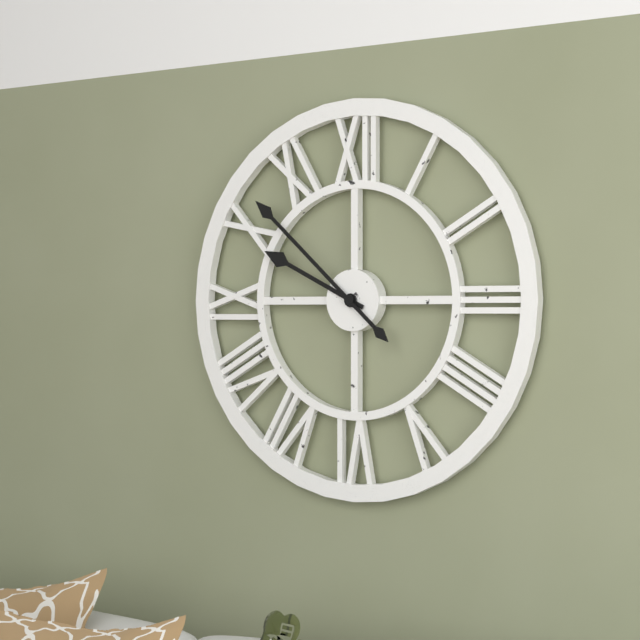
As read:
9 h 52 min
